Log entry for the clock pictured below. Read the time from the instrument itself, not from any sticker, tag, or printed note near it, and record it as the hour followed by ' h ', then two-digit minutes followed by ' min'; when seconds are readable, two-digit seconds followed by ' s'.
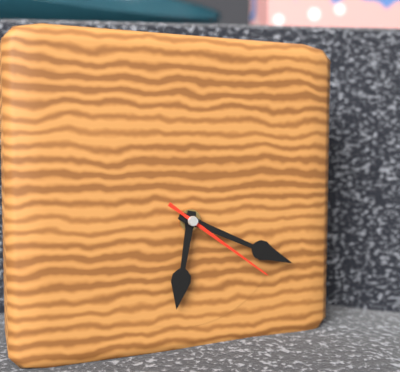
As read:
6 h 19 min 21 s
